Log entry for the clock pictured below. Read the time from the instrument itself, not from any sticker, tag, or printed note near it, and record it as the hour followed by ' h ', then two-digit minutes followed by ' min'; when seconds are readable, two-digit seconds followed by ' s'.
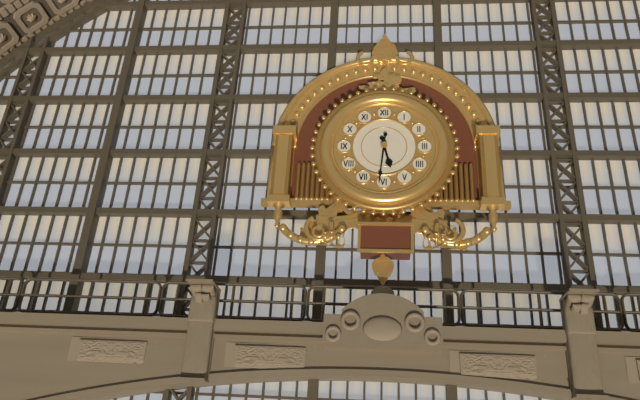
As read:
5 h 31 min
